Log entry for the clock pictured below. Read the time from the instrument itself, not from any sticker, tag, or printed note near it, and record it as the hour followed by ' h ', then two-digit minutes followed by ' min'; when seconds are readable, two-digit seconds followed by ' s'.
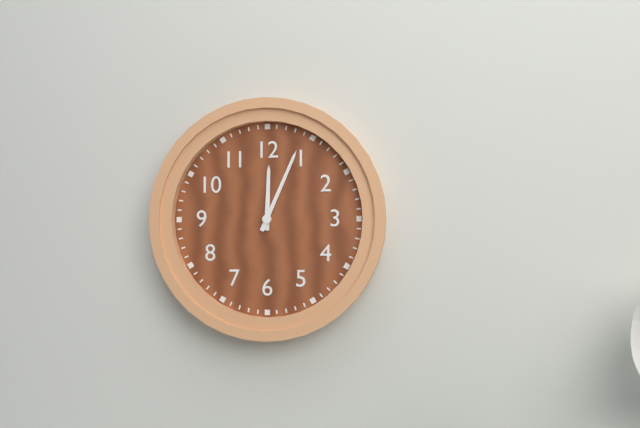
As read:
12 h 04 min
